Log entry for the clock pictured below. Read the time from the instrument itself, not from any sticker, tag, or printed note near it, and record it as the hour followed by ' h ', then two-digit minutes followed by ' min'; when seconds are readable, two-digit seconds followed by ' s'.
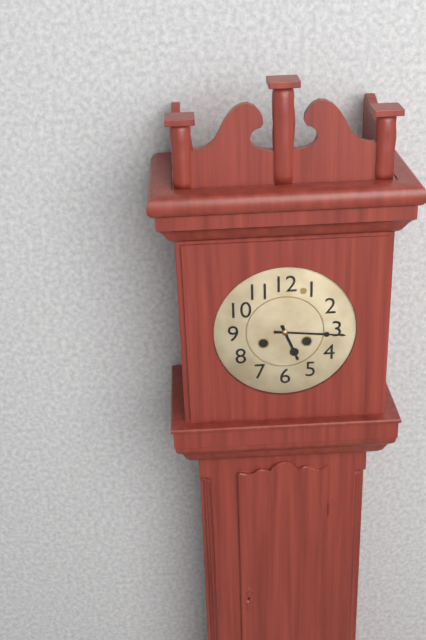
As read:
5 h 16 min
